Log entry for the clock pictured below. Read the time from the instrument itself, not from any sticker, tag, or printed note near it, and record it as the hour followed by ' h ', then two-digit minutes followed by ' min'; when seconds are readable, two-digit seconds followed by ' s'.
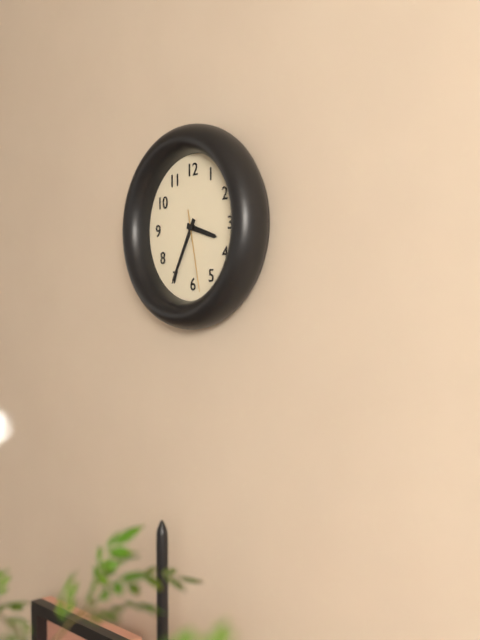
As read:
3 h 35 min 28 s
